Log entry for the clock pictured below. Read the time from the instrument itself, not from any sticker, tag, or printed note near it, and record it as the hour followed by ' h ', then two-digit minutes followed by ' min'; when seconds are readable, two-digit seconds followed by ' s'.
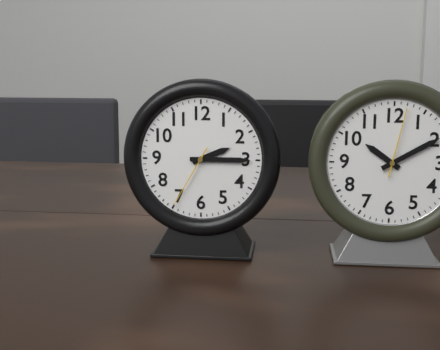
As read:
2 h 15 min 35 s
